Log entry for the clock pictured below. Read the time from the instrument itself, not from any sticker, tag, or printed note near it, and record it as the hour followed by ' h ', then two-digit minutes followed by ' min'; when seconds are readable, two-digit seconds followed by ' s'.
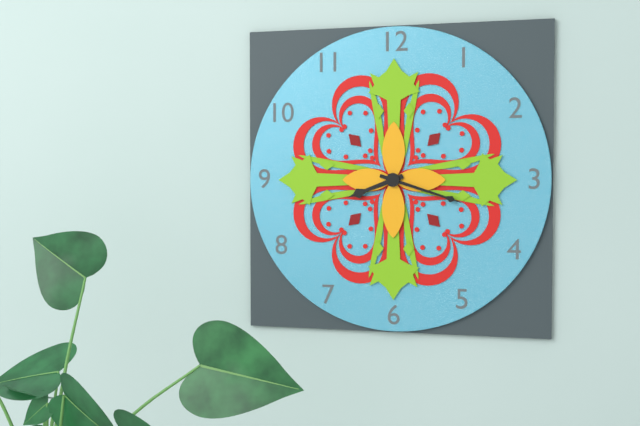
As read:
8 h 18 min
